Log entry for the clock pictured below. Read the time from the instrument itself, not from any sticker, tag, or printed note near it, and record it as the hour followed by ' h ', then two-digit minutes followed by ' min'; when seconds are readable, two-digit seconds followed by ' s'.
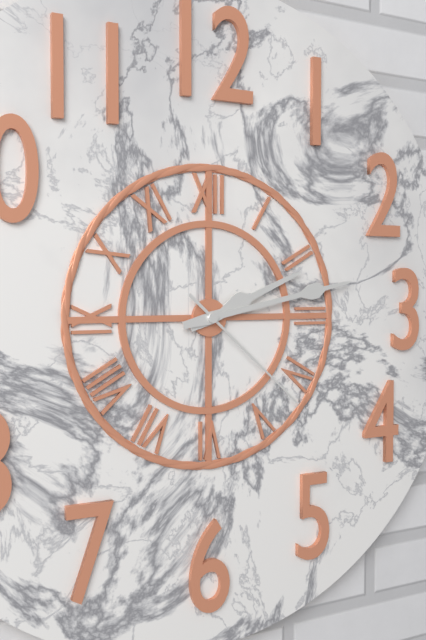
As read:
2 h 13 min 22 s
